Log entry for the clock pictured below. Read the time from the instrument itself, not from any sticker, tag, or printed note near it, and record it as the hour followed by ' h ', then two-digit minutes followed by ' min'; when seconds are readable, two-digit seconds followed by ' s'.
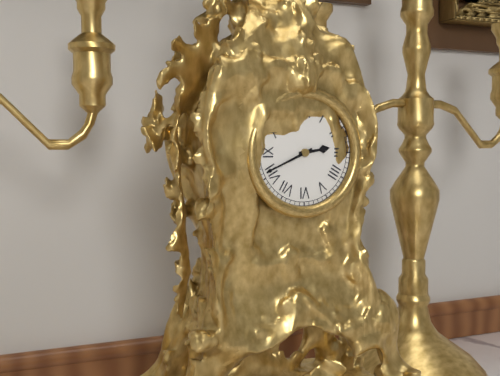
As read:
2 h 41 min
